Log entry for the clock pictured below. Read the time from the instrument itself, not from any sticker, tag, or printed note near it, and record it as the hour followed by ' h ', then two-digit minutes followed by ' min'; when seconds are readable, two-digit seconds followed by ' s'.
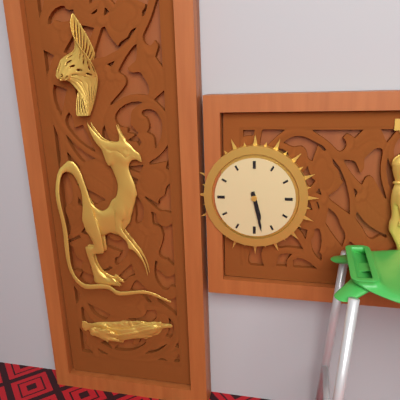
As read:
5 h 28 min
